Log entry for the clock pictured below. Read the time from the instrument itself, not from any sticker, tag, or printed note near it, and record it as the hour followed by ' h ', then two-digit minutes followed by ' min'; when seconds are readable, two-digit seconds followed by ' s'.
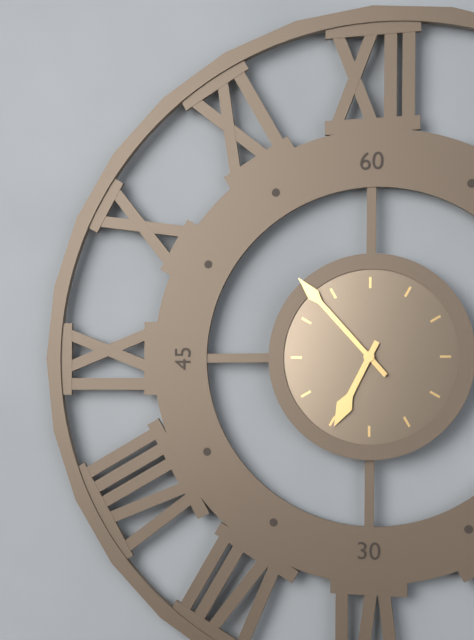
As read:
6 h 53 min
